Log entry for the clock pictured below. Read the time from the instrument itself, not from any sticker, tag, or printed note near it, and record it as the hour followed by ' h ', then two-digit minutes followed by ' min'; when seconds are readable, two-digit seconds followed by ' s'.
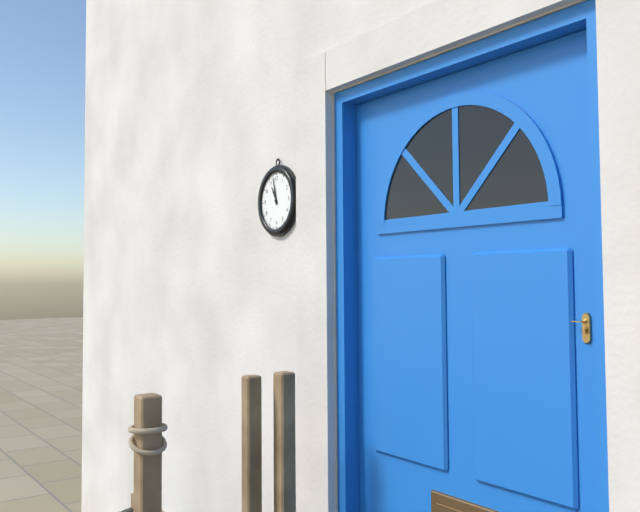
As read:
10 h 58 min
